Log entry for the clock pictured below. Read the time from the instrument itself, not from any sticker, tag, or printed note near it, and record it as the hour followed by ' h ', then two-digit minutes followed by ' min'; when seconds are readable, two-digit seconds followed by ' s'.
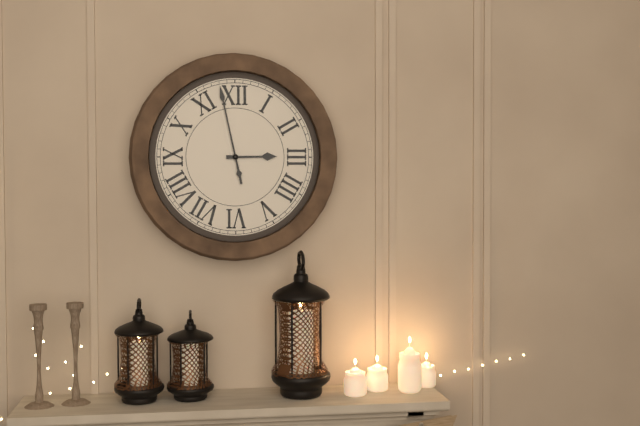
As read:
2 h 58 min
